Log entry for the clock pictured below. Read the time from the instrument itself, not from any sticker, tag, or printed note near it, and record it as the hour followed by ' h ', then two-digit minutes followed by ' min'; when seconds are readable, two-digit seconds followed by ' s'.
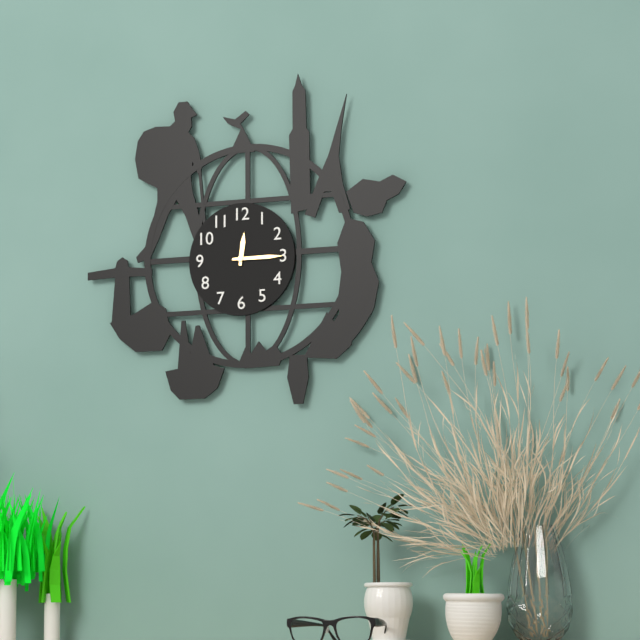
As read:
12 h 15 min
